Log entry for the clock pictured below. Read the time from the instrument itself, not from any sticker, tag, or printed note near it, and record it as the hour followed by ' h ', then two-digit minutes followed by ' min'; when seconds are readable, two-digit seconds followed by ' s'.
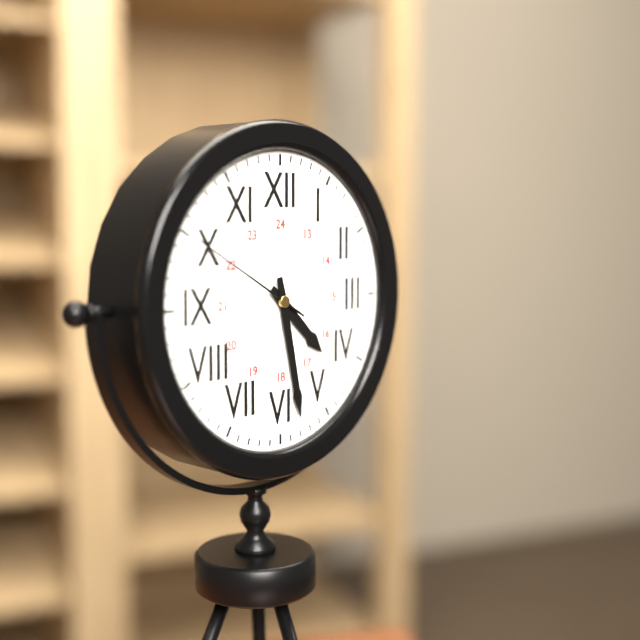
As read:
4 h 28 min 50 s
